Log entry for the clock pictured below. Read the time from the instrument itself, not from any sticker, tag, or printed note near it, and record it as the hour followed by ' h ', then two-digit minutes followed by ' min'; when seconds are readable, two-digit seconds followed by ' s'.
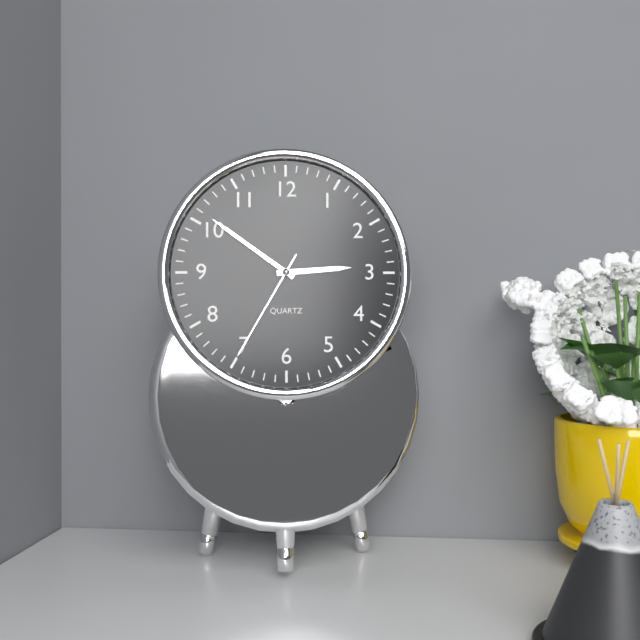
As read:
2 h 51 min 35 s
